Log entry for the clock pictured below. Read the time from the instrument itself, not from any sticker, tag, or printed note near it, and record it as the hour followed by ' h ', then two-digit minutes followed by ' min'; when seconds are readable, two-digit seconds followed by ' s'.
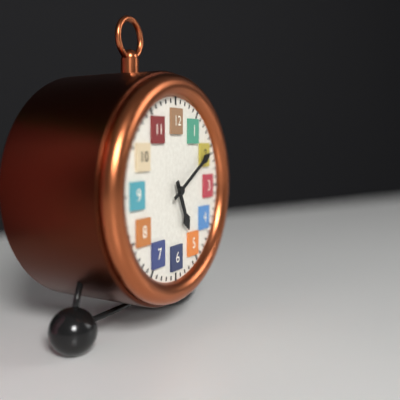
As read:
5 h 10 min
